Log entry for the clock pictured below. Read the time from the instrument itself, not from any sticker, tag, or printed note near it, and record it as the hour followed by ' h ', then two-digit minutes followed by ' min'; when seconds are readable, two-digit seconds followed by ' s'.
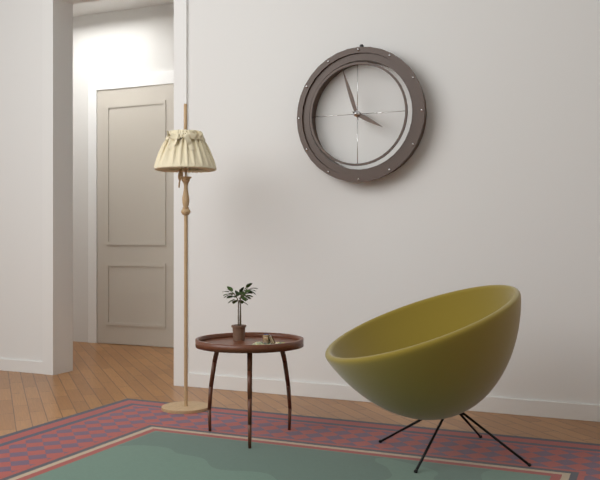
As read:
3 h 57 min
